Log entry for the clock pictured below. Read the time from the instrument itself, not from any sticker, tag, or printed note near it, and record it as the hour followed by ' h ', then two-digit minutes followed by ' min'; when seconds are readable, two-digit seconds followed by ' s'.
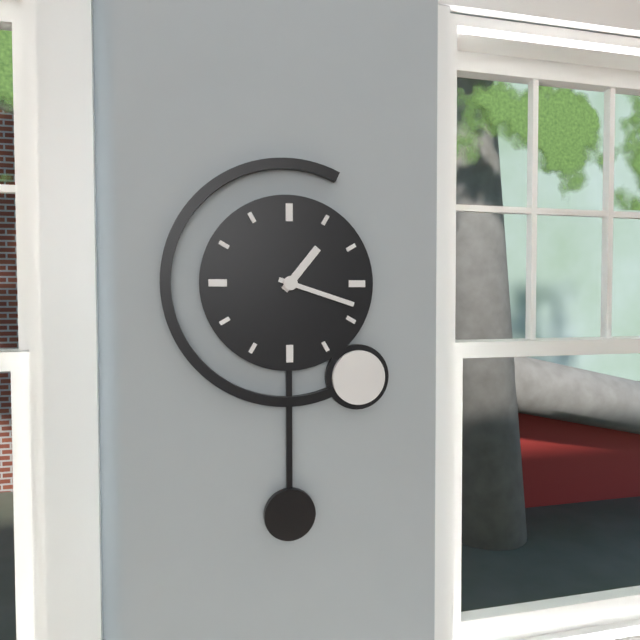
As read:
1 h 18 min
